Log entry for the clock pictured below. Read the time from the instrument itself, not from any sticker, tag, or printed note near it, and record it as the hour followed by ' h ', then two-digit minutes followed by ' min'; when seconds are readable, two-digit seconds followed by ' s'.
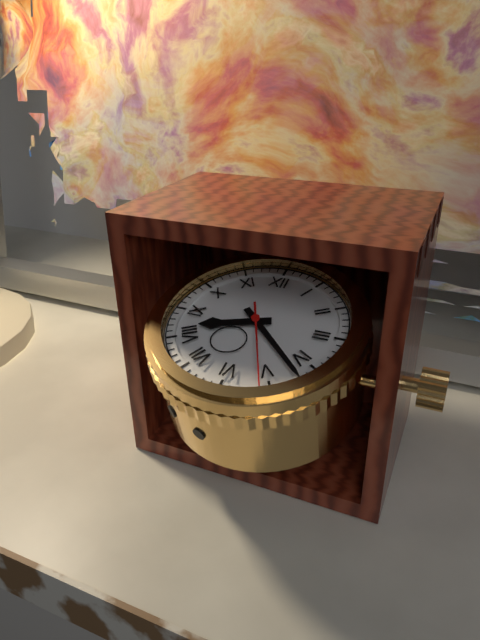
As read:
8 h 22 min 26 s
